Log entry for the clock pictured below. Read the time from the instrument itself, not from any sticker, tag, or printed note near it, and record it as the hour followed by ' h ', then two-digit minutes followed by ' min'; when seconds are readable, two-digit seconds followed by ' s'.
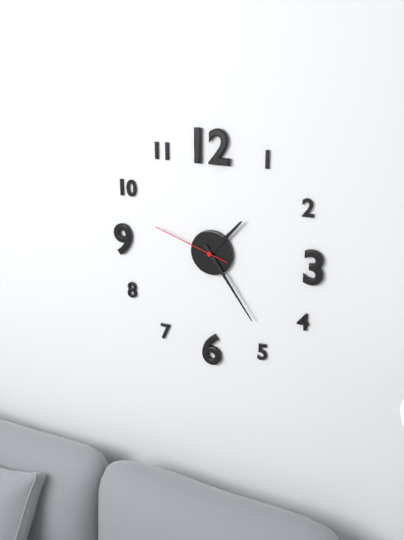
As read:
1 h 24 min 48 s
